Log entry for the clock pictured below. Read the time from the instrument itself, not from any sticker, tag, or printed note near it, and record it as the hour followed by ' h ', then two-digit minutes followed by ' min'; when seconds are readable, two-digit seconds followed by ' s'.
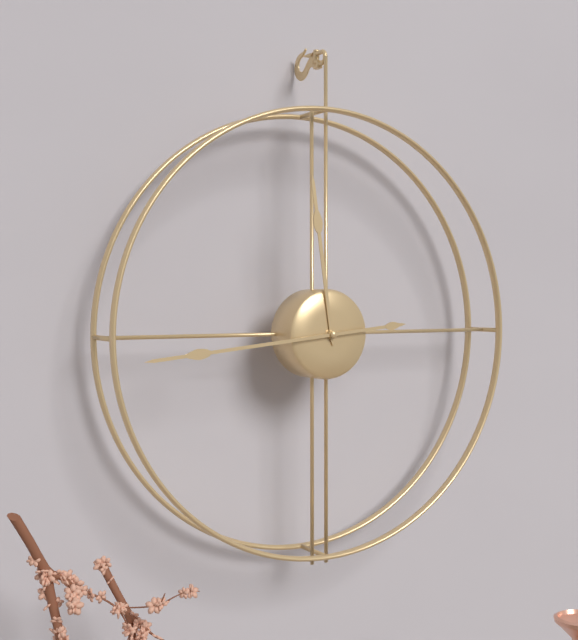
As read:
11 h 44 min
